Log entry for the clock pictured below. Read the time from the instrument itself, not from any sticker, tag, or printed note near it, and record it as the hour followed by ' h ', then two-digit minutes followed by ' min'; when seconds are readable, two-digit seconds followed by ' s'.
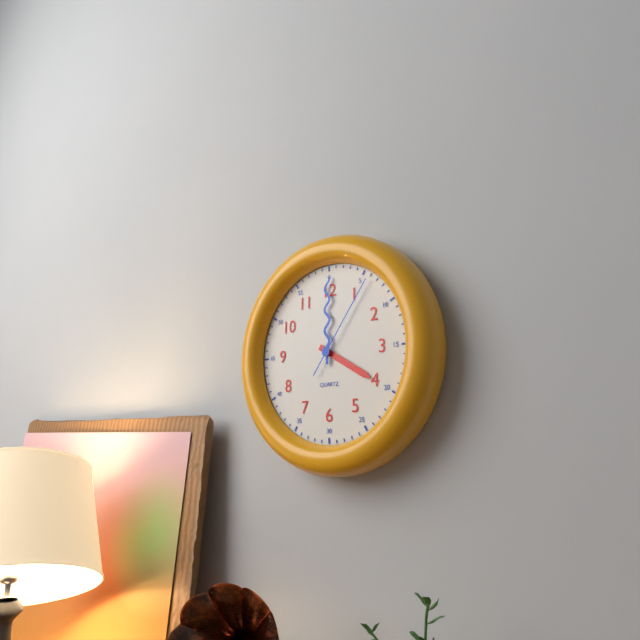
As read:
4 h 00 min 06 s
